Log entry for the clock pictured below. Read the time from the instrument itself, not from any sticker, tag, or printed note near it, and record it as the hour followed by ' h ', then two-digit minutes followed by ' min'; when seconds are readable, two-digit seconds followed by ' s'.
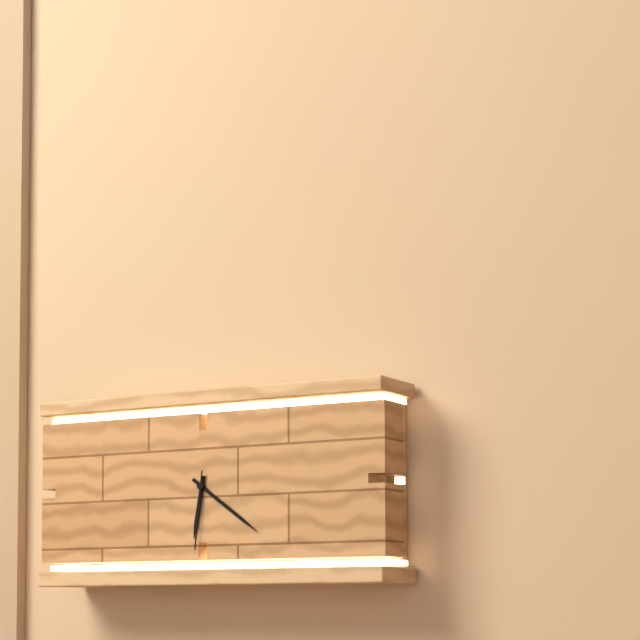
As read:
6 h 21 min 31 s
